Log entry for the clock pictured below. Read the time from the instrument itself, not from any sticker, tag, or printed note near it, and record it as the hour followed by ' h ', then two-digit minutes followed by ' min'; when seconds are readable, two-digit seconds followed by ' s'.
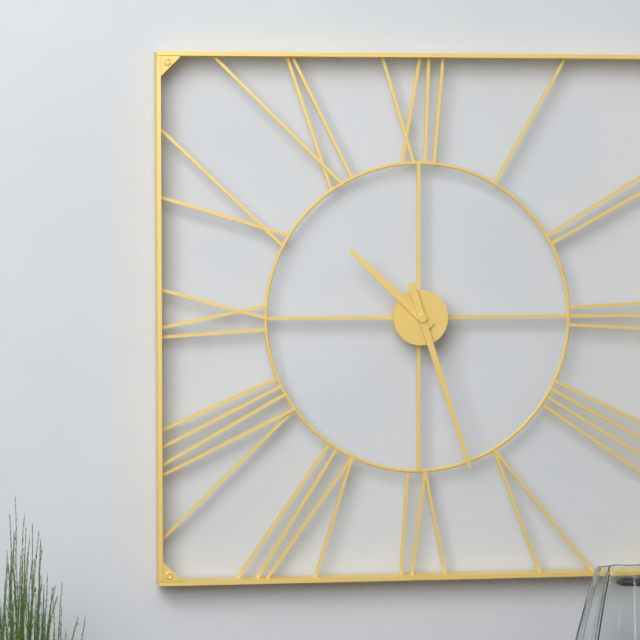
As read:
10 h 27 min
